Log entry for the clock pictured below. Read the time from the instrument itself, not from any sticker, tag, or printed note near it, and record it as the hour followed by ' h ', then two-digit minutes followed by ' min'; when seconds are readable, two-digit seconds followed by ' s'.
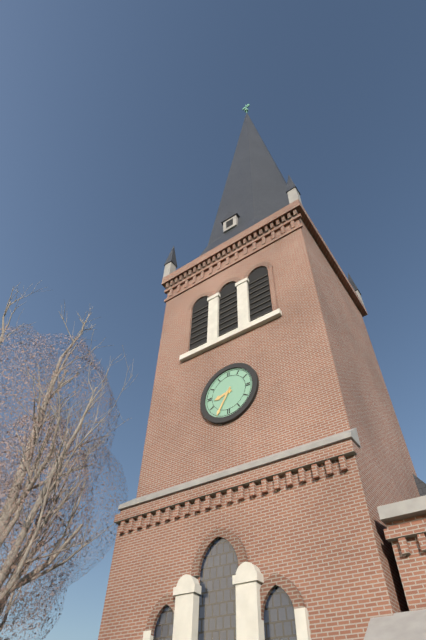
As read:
8 h 35 min
